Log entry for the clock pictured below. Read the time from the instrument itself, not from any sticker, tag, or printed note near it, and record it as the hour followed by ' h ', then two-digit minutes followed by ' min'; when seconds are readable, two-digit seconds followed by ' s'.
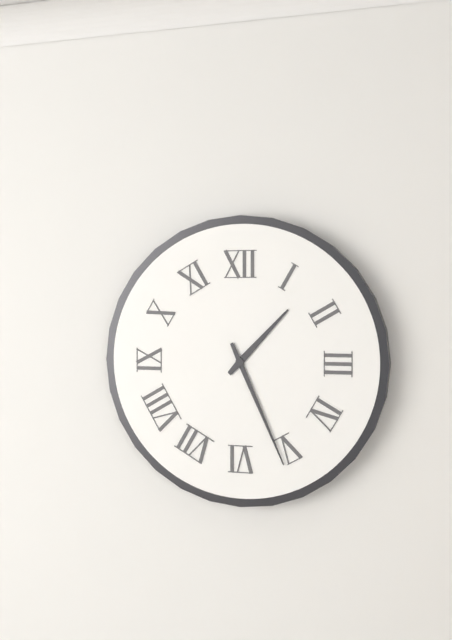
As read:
1 h 26 min
